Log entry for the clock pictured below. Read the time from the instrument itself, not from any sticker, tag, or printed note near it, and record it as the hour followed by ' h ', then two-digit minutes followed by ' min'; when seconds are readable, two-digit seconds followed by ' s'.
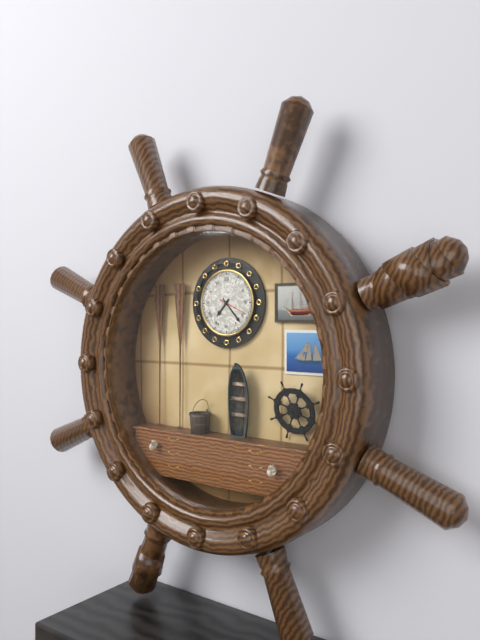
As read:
7 h 23 min
